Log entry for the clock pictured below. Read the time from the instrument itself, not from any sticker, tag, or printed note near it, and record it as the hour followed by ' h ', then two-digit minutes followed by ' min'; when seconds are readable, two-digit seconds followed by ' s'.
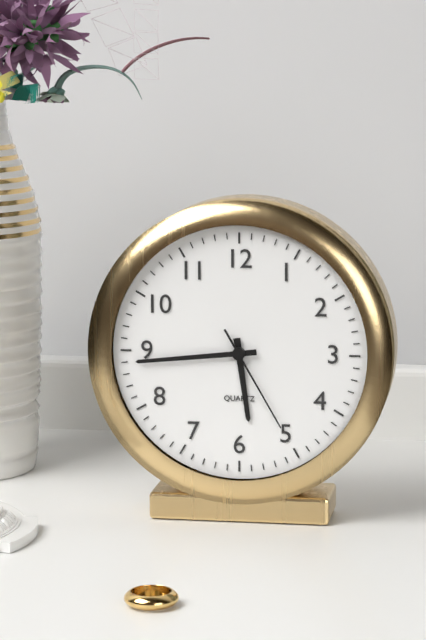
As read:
5 h 44 min 25 s
